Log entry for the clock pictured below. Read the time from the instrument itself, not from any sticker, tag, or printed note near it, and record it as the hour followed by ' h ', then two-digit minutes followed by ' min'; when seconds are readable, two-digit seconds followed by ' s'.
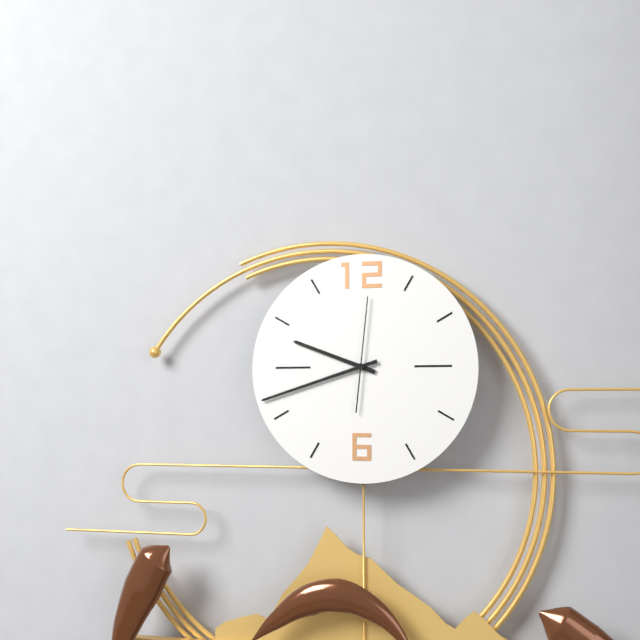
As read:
9 h 42 min 01 s
